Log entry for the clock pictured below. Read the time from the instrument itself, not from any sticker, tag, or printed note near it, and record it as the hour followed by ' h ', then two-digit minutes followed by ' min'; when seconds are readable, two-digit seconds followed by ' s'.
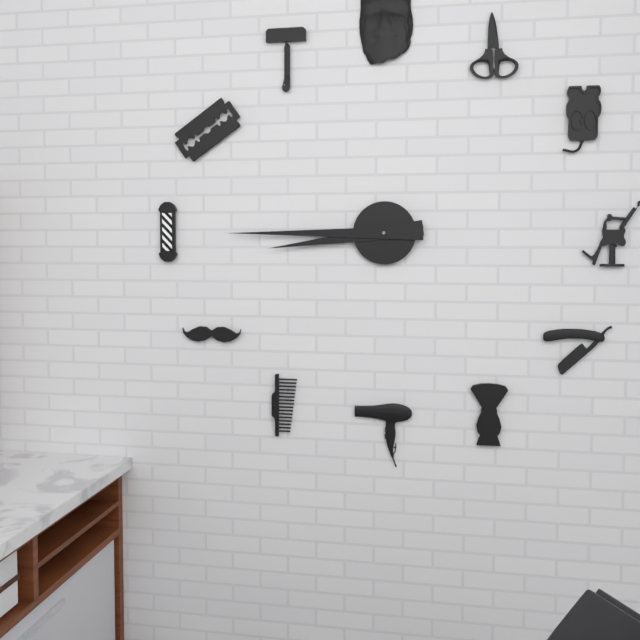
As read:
8 h 45 min
